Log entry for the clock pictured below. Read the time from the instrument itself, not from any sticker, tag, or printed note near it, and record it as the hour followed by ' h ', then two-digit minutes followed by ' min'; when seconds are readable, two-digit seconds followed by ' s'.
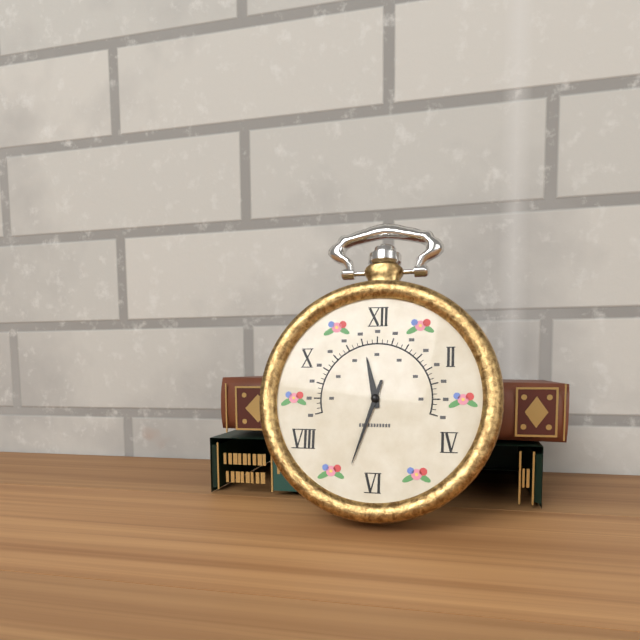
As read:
11 h 33 min
